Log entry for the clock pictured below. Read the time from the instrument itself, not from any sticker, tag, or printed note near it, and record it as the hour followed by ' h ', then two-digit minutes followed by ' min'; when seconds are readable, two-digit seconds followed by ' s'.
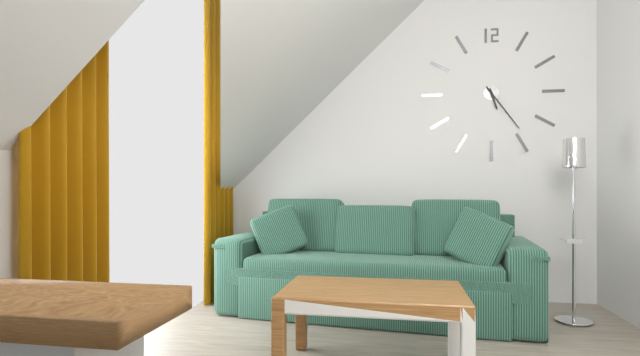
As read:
5 h 24 min
